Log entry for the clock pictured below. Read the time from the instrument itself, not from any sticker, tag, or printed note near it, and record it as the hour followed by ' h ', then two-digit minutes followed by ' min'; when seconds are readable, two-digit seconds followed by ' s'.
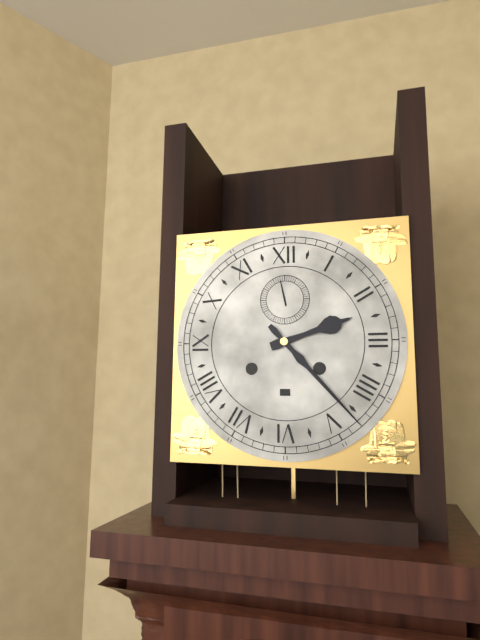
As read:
2 h 23 min
